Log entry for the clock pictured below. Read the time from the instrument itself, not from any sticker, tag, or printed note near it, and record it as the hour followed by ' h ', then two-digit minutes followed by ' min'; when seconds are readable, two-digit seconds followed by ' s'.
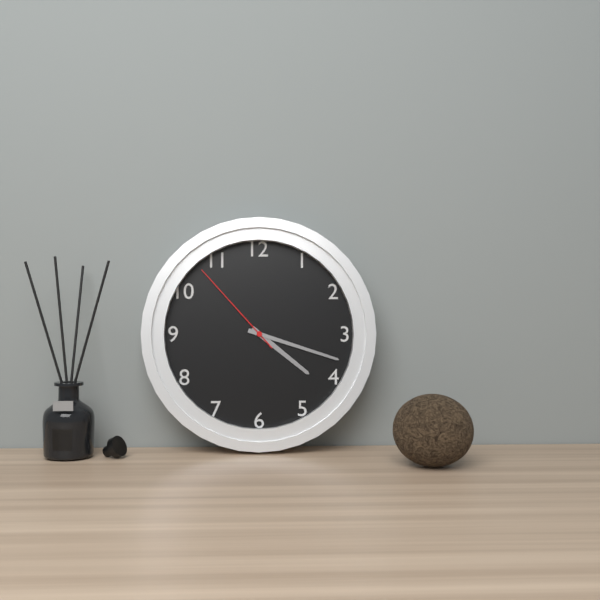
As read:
4 h 18 min 53 s
